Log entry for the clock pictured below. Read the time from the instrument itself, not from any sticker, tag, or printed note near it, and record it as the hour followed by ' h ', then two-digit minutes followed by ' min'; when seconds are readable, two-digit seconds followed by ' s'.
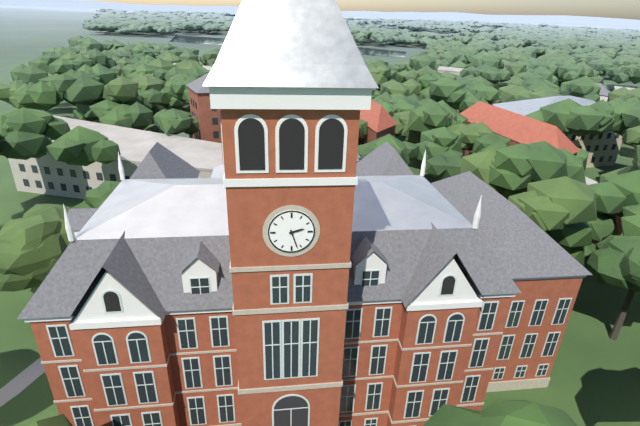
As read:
2 h 27 min
